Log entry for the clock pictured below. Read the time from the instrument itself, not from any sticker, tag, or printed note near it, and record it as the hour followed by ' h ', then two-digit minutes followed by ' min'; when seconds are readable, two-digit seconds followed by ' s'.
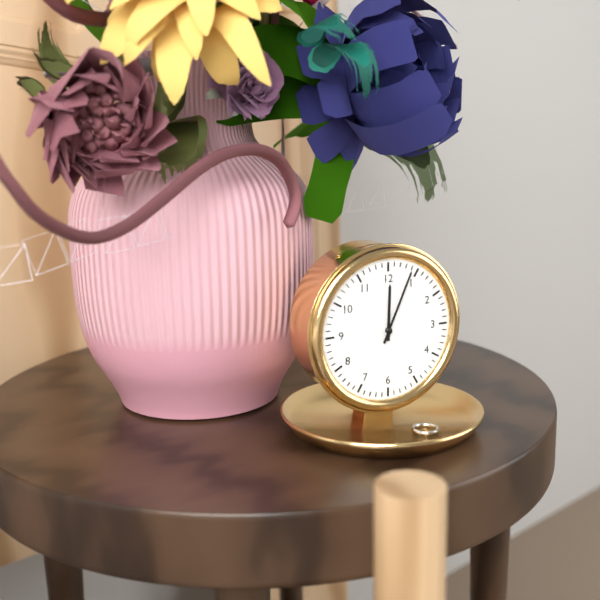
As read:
12 h 04 min
